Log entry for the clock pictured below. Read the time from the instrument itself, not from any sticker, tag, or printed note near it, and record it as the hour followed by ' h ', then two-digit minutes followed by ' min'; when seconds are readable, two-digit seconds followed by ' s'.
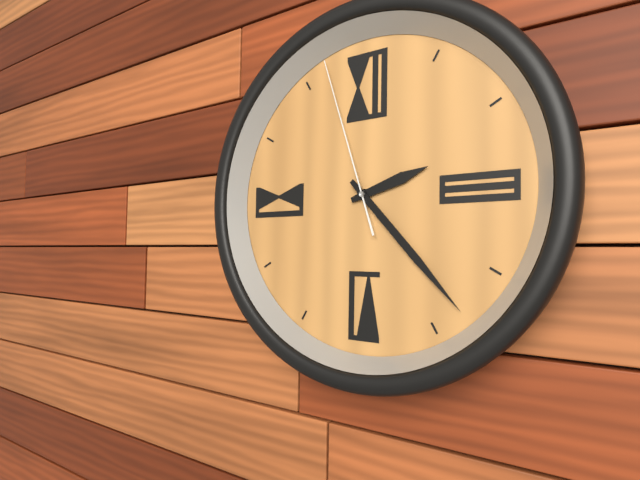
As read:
2 h 23 min 57 s
